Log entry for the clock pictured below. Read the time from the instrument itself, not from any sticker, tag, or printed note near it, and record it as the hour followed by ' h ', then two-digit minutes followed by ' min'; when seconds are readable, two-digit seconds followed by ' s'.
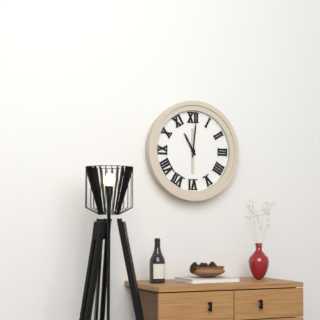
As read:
11 h 01 min
